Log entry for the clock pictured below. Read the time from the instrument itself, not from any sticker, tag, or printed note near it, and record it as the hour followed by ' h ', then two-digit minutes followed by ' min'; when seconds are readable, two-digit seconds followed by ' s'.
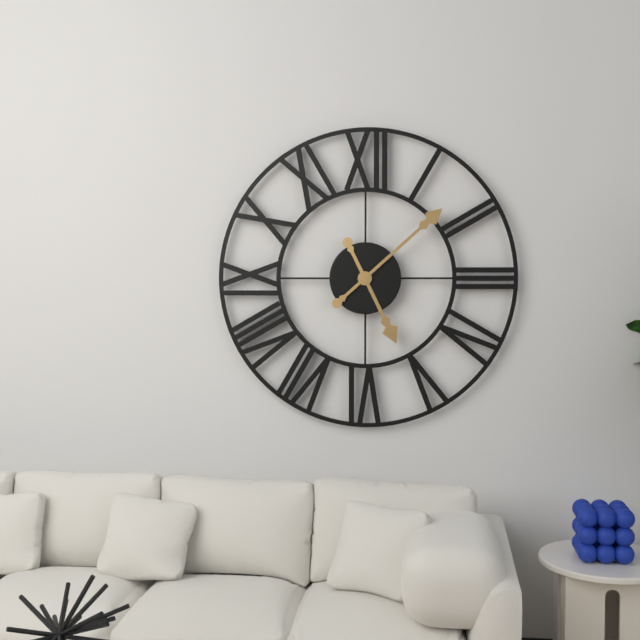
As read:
5 h 08 min
